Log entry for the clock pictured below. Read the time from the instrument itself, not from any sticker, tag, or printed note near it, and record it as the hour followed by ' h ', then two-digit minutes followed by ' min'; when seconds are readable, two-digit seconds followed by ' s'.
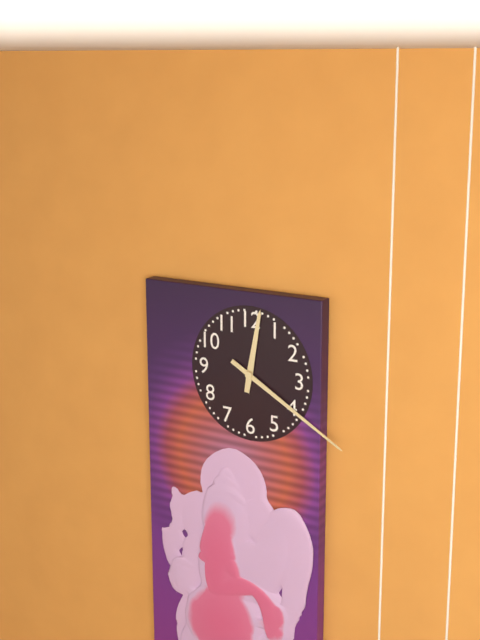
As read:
12 h 20 min
